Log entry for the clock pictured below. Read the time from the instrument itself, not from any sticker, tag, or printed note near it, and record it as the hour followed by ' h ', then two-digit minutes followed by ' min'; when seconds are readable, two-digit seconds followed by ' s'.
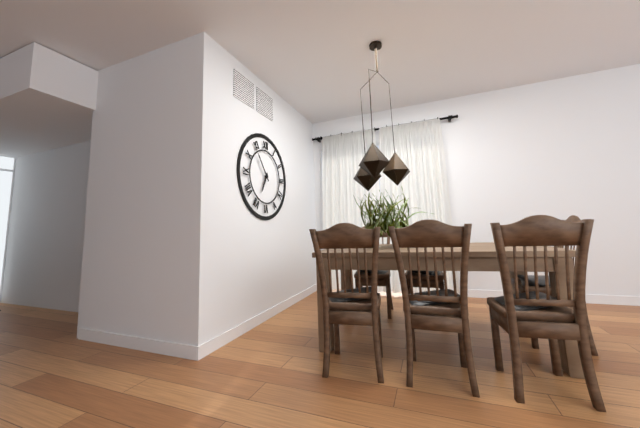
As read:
6 h 54 min
